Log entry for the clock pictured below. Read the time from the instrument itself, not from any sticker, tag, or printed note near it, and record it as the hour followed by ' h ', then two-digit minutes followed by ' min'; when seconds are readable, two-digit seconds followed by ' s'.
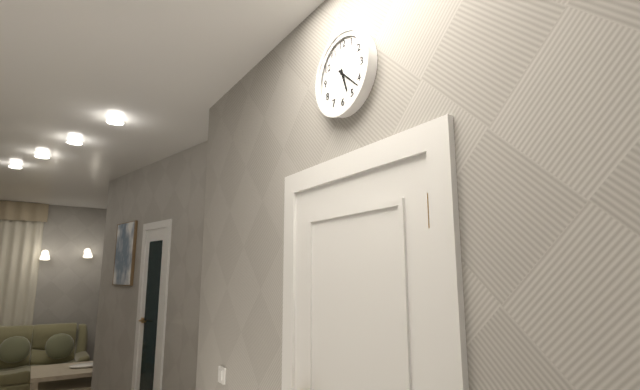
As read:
5 h 22 min
